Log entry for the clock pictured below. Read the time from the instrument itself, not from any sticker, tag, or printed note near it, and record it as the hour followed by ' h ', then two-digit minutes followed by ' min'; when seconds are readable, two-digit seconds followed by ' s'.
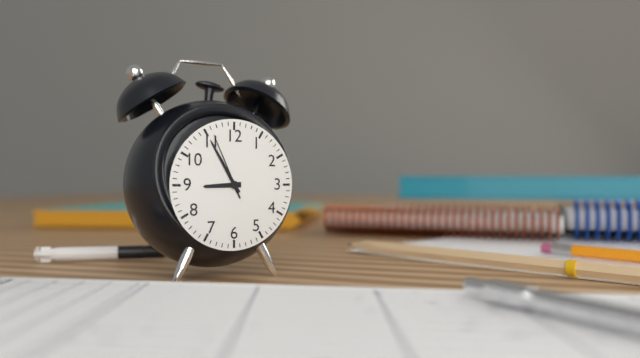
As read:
8 h 55 min 56 s
